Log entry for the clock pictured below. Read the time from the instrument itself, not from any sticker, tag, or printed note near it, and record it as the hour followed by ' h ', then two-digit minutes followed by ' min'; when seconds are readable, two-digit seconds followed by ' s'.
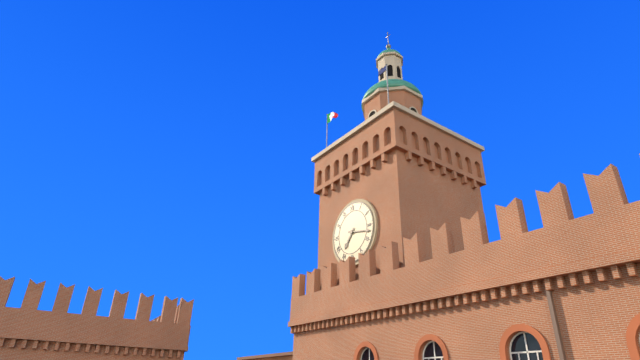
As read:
7 h 17 min
